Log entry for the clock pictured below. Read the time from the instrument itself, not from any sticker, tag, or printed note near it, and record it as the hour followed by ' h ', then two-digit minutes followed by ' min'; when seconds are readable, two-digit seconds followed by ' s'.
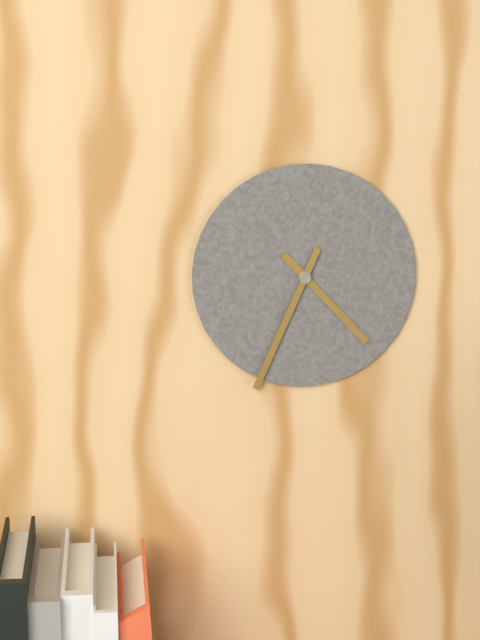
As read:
4 h 34 min
